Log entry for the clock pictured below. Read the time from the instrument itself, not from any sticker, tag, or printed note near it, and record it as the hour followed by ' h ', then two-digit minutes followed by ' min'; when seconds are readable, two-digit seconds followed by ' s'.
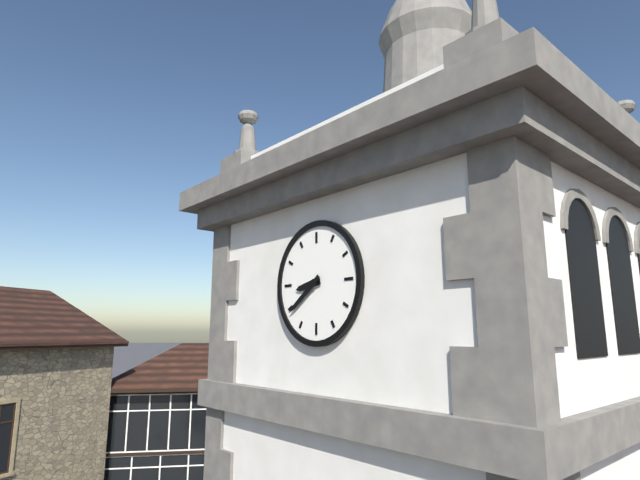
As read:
8 h 39 min
